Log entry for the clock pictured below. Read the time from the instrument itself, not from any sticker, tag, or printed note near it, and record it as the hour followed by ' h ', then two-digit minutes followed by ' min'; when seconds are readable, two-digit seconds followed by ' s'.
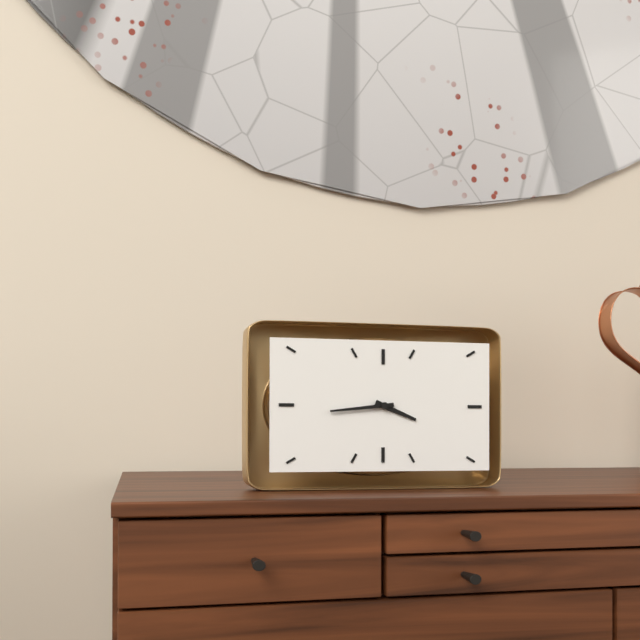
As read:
3 h 44 min
